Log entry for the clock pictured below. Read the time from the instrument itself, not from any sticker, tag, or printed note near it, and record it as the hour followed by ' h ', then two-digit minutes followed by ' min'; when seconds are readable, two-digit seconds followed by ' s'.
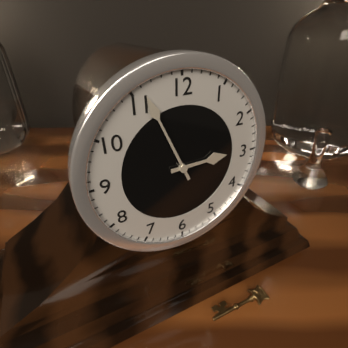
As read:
2 h 56 min
